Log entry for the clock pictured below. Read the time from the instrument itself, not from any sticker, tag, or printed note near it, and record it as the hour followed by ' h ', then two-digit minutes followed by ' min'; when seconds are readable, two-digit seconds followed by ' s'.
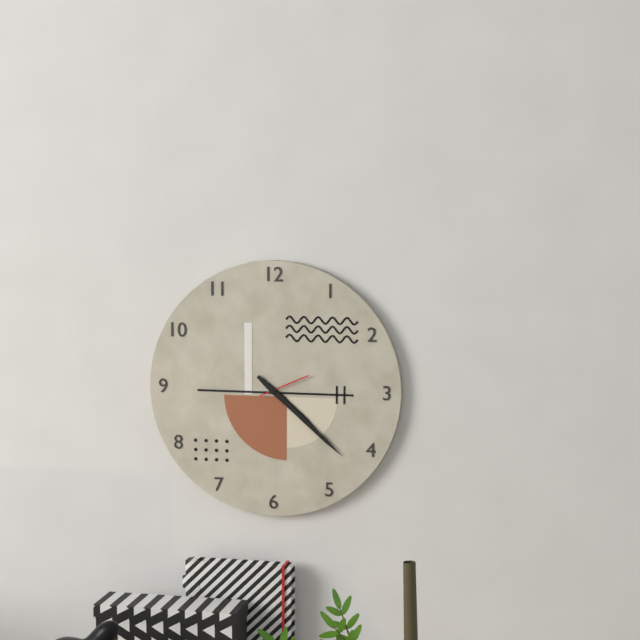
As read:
4 h 22 min
